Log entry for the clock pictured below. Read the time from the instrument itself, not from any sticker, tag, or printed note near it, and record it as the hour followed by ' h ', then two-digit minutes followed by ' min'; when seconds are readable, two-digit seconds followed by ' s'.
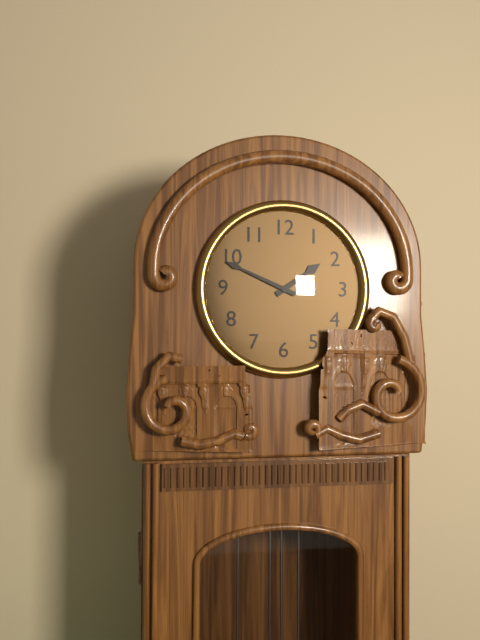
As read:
1 h 49 min
